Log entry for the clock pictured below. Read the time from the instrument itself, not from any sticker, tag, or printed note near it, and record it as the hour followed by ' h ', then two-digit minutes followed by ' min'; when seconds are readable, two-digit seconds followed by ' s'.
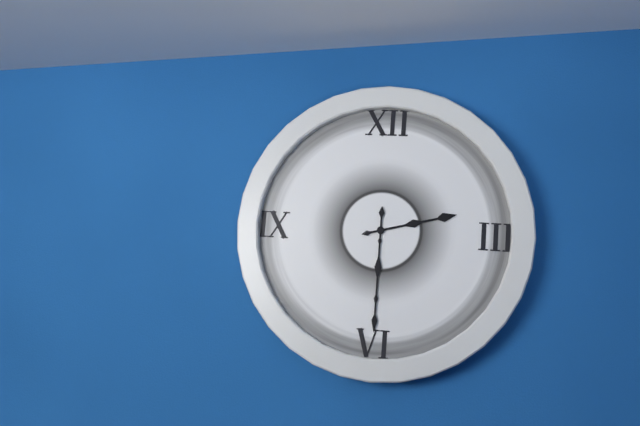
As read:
2 h 30 min
